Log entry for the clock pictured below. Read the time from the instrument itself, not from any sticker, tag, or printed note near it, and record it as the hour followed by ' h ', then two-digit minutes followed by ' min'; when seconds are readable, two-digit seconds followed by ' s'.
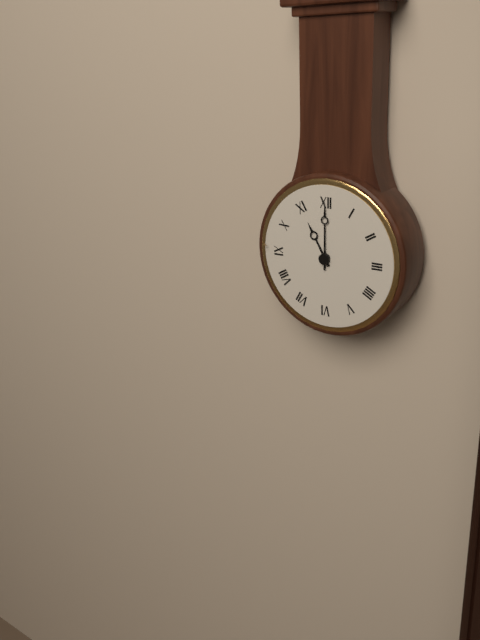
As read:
11 h 00 min
